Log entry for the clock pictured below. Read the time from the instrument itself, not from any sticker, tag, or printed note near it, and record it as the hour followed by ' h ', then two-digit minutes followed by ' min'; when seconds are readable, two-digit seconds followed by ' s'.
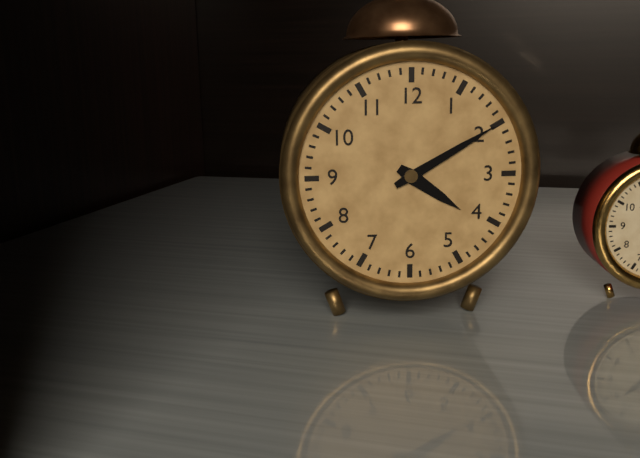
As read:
4 h 10 min
